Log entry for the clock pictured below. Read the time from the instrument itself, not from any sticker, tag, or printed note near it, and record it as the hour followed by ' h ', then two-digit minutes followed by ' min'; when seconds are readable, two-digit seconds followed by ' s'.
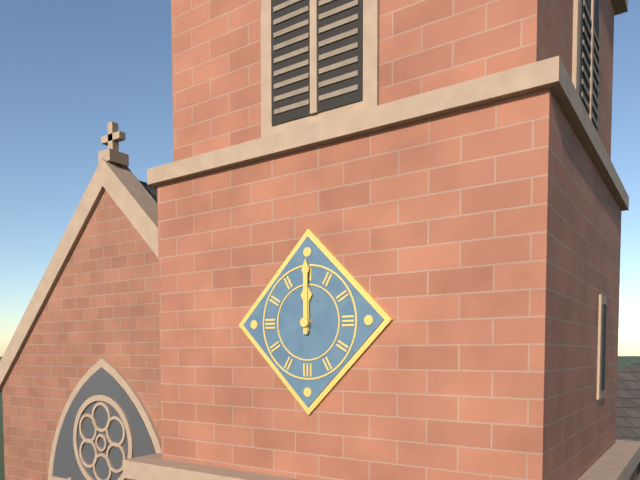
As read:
12 h 00 min
